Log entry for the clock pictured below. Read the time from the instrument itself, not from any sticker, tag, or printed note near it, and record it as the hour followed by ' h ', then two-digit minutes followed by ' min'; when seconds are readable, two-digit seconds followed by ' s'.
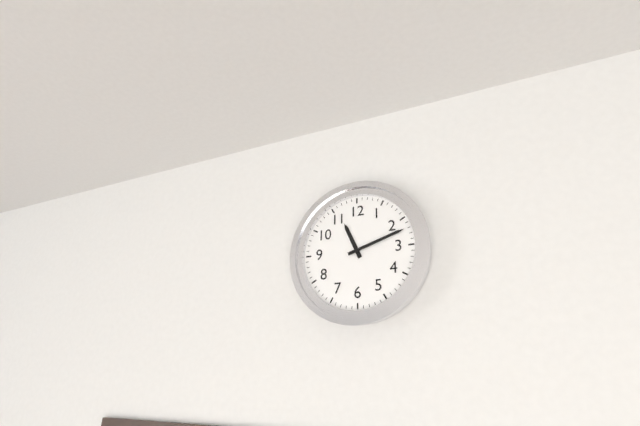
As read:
11 h 12 min
